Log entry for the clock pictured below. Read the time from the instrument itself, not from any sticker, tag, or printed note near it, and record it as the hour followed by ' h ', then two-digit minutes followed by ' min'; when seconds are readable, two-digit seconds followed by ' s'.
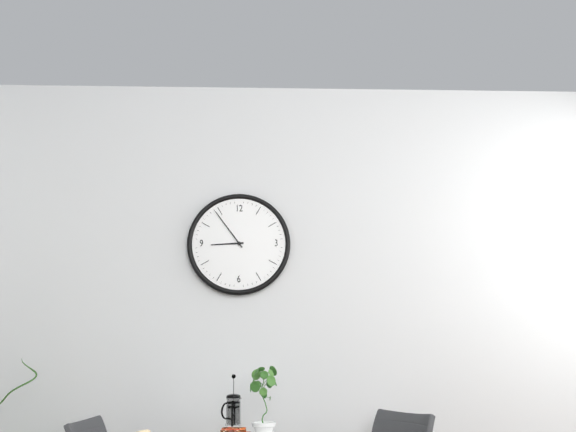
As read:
8 h 54 min
